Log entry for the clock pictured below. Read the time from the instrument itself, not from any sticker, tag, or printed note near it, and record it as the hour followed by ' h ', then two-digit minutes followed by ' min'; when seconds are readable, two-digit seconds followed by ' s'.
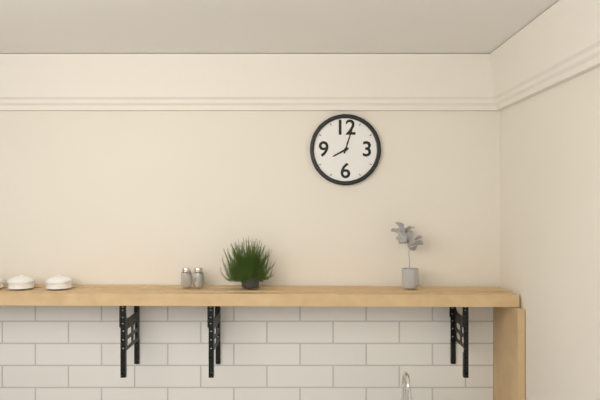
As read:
8 h 03 min
